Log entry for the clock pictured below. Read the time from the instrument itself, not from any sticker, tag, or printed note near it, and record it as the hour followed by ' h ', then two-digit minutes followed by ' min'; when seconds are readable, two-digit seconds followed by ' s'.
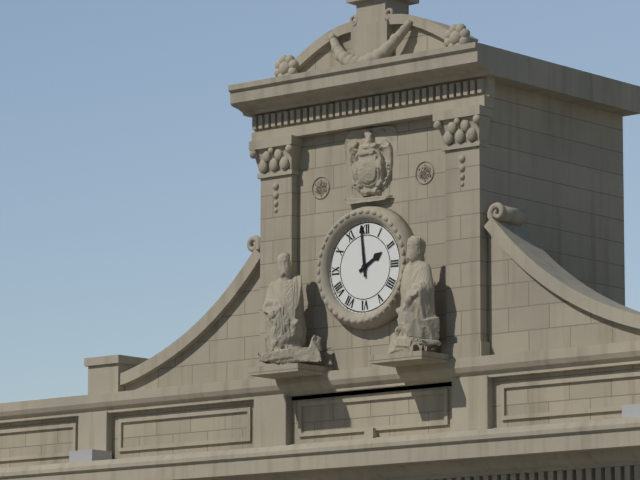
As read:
1 h 59 min
